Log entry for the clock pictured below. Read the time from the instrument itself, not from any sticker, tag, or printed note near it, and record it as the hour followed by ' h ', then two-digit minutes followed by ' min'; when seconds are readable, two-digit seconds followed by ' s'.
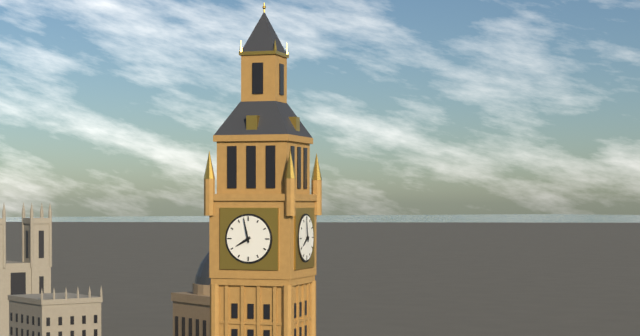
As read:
7 h 58 min
